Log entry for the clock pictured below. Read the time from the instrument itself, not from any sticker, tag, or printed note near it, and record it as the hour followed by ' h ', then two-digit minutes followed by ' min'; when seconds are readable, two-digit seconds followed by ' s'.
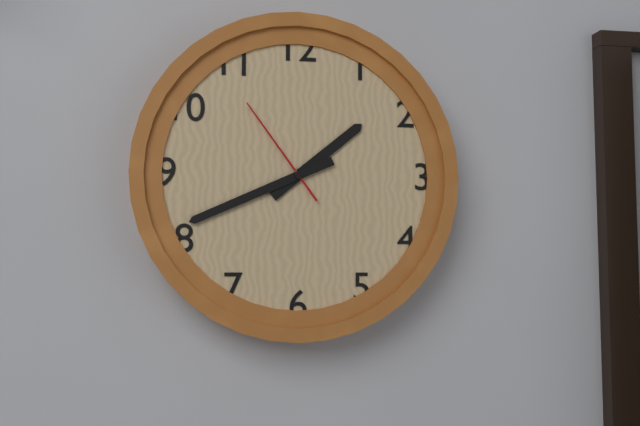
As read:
1 h 41 min 54 s
